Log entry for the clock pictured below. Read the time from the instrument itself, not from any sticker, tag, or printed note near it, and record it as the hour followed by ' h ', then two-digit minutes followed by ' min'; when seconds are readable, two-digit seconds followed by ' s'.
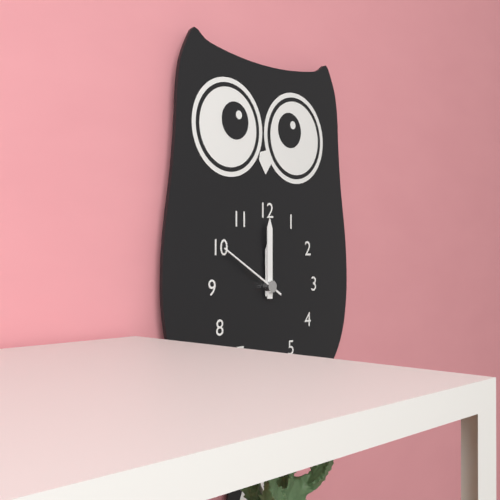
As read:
12 h 00 min 50 s
